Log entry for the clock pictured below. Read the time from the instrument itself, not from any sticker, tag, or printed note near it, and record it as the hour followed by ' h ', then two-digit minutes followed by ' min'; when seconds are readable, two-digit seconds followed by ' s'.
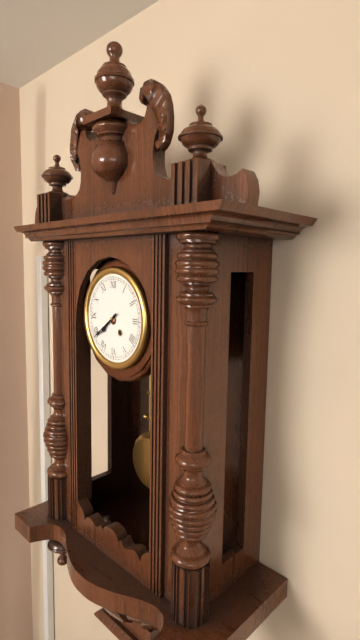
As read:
7 h 39 min
